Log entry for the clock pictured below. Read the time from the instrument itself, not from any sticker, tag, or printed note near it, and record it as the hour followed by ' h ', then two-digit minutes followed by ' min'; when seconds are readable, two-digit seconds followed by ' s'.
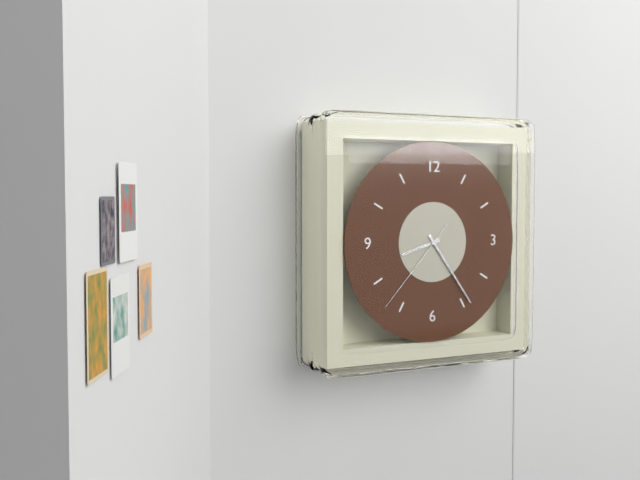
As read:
8 h 24 min 37 s
